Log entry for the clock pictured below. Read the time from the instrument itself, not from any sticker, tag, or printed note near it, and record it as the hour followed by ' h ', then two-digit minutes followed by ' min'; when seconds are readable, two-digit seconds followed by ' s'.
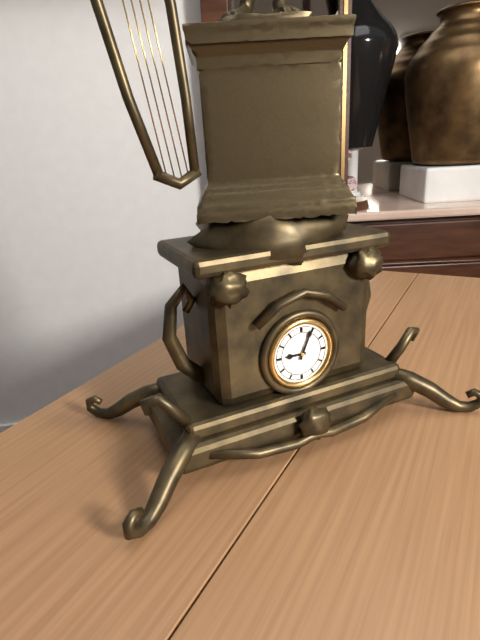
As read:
9 h 04 min
